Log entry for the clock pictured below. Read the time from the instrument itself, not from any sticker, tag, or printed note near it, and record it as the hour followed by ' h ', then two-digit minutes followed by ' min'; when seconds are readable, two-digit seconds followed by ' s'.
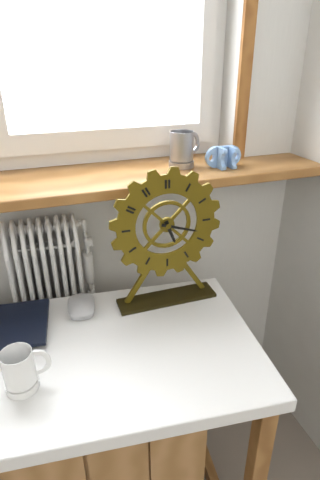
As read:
5 h 18 min
